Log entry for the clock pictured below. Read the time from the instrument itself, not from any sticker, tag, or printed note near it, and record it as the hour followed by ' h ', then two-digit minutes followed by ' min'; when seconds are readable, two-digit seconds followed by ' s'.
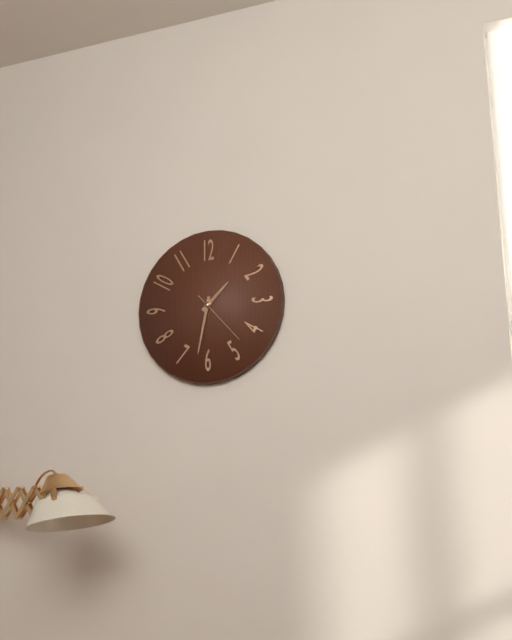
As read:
1 h 32 min 23 s
